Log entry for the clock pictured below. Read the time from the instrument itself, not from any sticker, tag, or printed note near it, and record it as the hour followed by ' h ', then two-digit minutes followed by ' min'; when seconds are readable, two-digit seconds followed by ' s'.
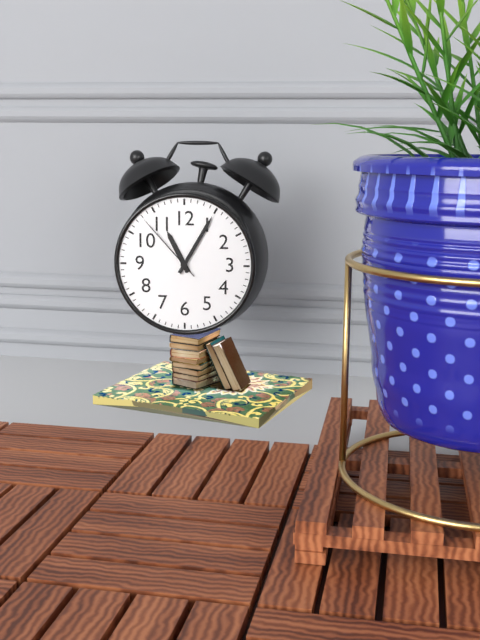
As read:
11 h 05 min 53 s
